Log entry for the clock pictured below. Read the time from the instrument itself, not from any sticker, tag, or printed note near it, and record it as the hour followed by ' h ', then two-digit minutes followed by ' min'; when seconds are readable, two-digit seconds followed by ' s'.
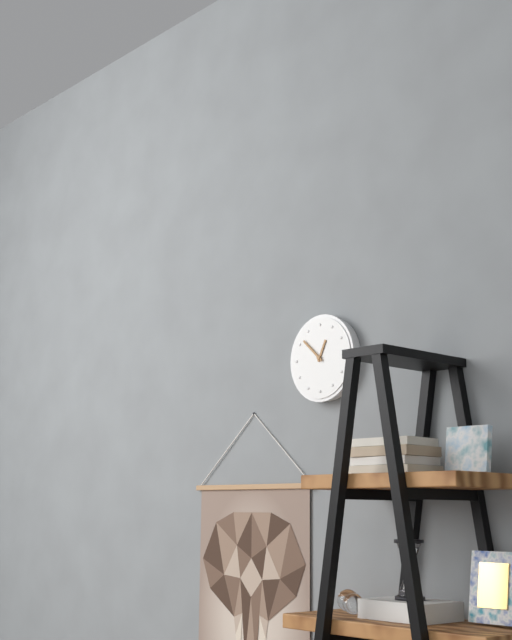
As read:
12 h 52 min
